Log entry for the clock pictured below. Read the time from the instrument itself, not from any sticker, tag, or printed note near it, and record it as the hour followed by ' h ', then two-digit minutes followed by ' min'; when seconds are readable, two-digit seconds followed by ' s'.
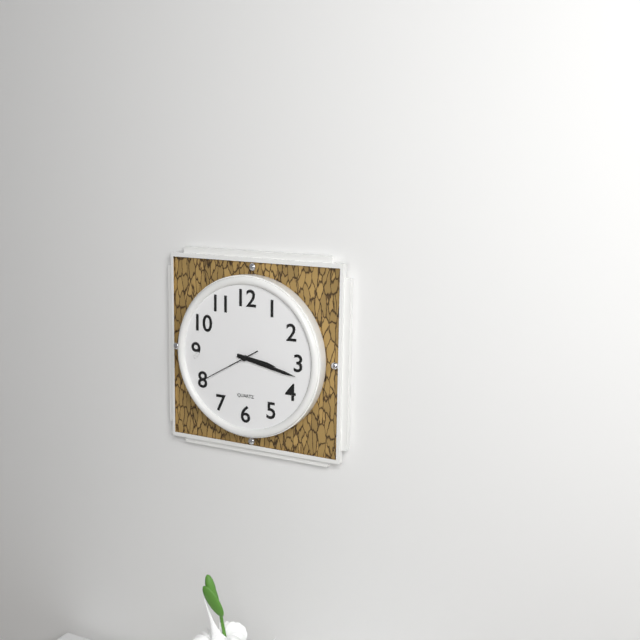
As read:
3 h 17 min 40 s
